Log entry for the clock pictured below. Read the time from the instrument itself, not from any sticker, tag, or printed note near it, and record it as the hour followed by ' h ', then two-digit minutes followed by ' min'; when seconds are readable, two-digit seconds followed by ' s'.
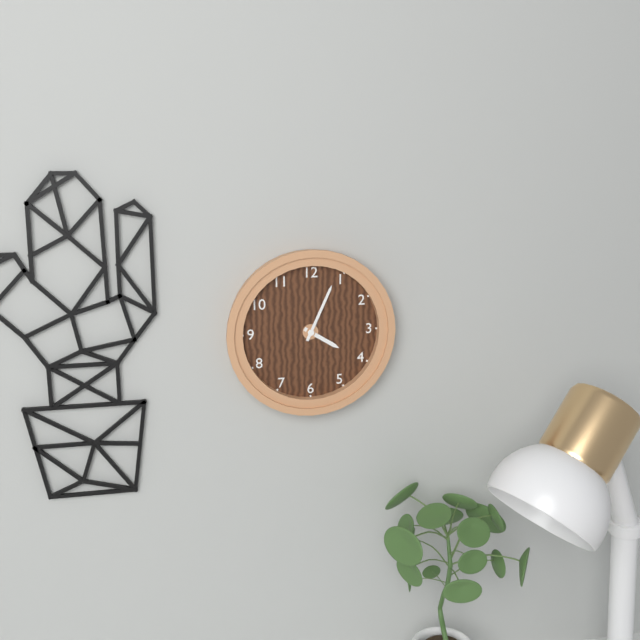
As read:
4 h 04 min
